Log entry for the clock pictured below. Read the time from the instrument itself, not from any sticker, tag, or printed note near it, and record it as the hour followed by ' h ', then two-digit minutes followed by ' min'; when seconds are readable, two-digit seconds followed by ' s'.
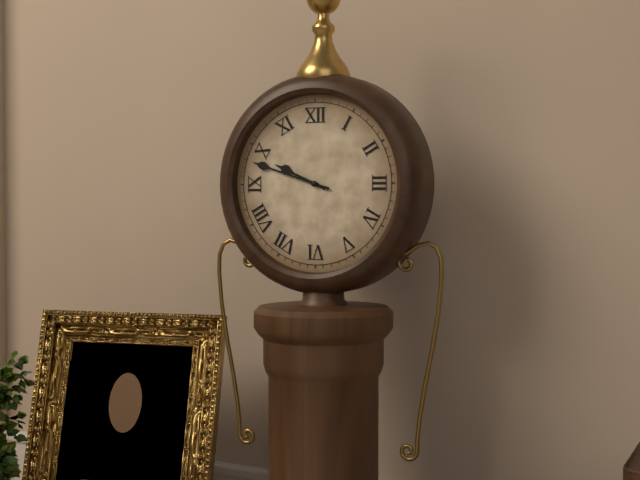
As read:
9 h 48 min
